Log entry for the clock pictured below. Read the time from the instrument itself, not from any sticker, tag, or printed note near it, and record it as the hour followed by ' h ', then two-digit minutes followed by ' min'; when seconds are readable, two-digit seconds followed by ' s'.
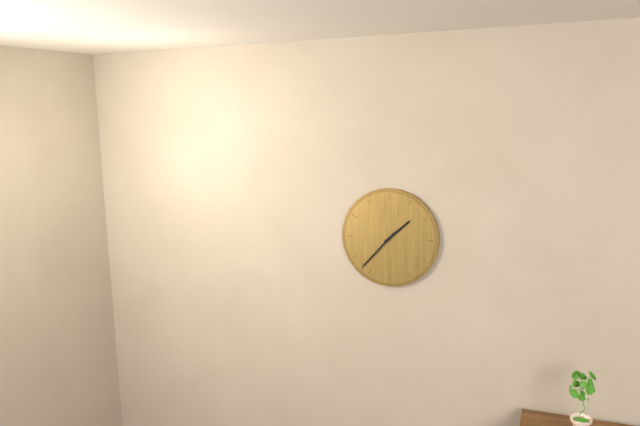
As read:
1 h 37 min
